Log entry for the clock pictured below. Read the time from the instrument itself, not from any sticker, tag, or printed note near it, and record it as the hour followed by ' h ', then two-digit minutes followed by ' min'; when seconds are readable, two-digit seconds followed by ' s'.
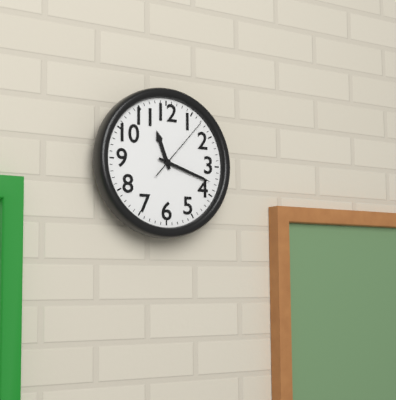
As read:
11 h 18 min 07 s
